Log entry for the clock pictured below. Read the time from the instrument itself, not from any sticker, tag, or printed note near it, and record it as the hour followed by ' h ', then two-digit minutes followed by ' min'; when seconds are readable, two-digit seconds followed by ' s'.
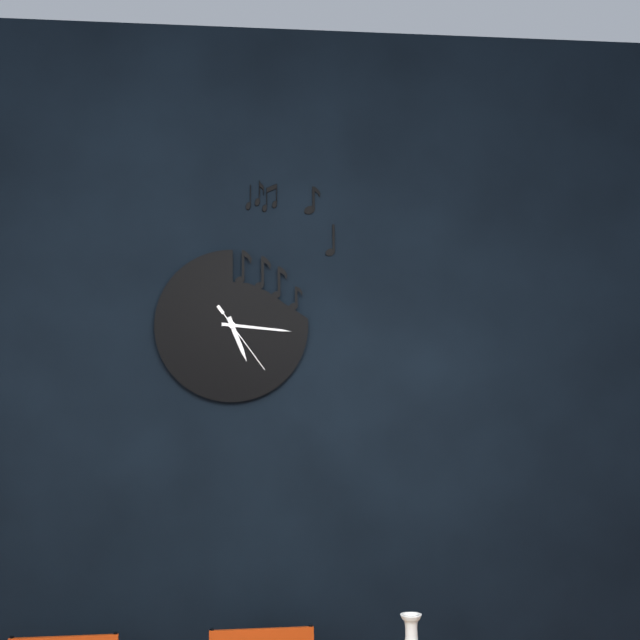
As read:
5 h 16 min 24 s
